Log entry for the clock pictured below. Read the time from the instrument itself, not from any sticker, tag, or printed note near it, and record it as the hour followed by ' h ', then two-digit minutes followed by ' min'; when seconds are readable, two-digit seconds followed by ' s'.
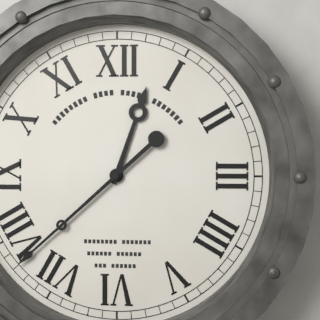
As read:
12 h 38 min
